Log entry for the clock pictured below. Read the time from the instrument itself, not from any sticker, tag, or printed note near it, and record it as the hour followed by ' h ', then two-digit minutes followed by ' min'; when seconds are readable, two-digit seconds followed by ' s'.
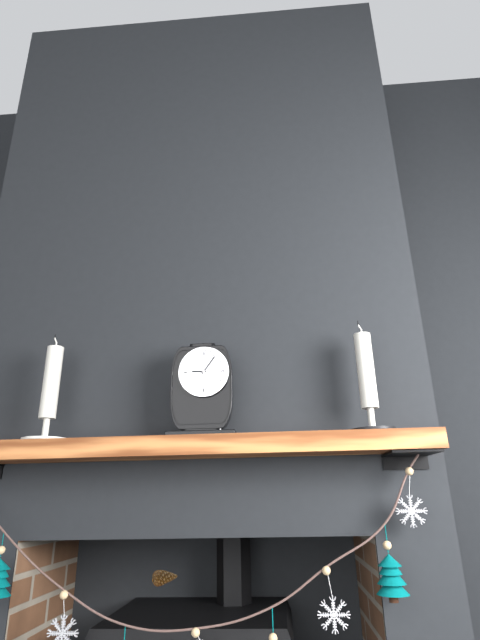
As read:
9 h 06 min
